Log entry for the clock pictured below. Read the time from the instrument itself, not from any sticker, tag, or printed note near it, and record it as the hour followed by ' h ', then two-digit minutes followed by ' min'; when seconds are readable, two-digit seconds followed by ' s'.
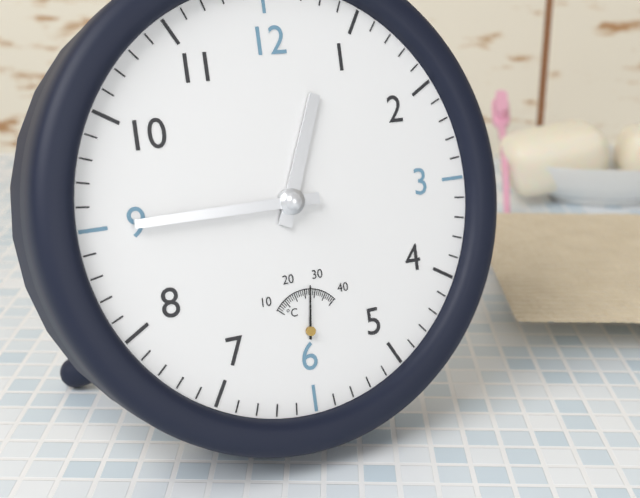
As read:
12 h 45 min
